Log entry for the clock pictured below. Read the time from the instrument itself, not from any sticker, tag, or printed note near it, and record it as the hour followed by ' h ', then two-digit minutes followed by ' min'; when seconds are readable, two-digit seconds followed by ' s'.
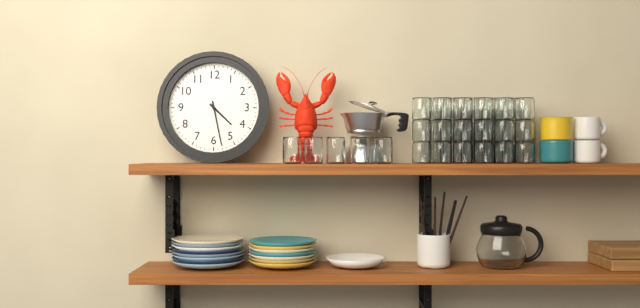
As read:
4 h 28 min
